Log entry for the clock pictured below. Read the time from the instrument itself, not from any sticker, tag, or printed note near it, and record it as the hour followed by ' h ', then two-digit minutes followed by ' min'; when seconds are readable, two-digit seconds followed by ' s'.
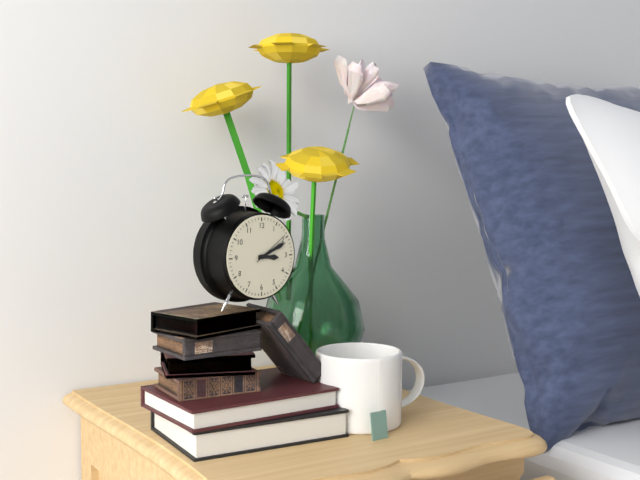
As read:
3 h 11 min
